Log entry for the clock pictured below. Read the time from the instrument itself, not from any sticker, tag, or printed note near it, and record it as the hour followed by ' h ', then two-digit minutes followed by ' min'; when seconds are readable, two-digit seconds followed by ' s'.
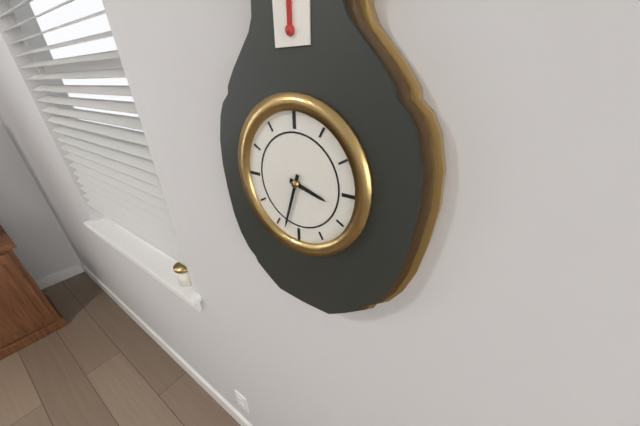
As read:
3 h 33 min
